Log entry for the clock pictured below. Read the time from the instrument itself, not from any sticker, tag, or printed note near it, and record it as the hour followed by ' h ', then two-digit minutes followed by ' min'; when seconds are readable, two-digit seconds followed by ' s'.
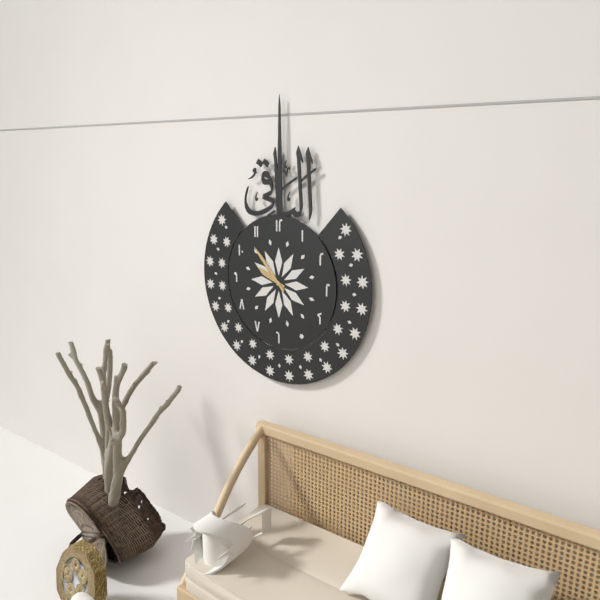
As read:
9 h 53 min
